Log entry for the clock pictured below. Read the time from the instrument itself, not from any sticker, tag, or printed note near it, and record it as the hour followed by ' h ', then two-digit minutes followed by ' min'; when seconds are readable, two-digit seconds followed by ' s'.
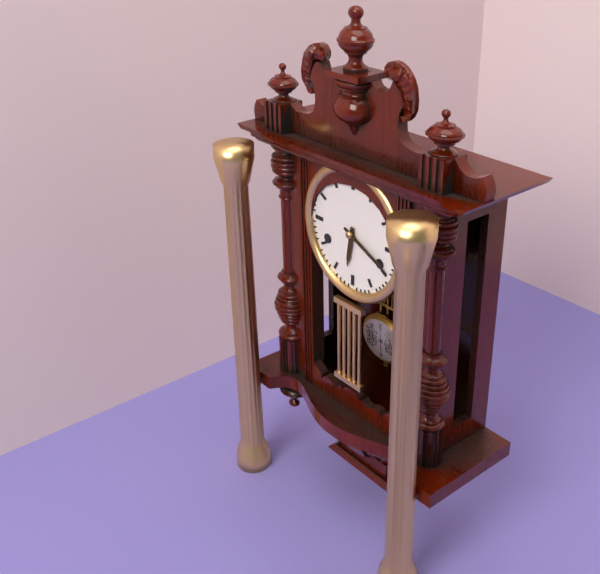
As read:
6 h 19 min
